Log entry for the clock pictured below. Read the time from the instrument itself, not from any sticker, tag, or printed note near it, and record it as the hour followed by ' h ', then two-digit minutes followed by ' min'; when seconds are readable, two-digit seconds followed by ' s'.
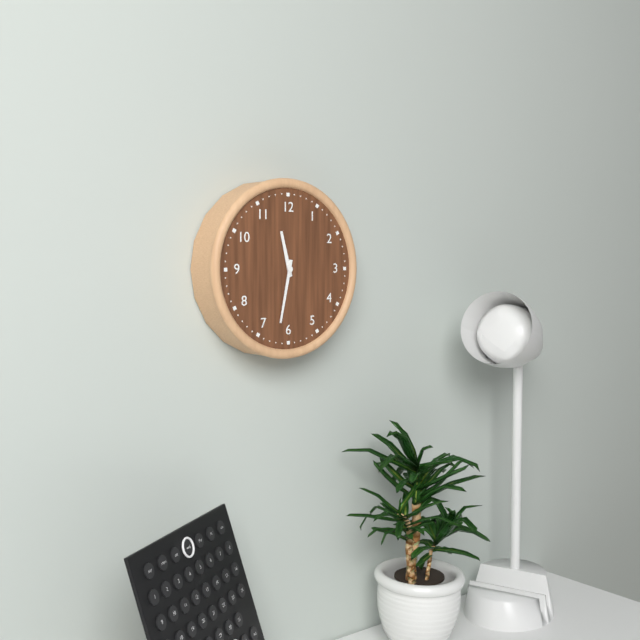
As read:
11 h 32 min
